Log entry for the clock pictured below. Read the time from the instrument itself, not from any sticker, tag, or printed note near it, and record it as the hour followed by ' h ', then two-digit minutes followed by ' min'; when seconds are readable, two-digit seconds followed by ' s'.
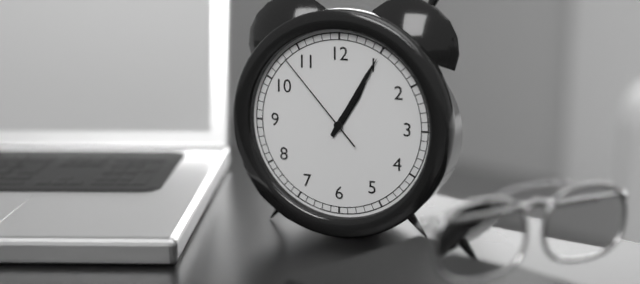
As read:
1 h 05 min 53 s
